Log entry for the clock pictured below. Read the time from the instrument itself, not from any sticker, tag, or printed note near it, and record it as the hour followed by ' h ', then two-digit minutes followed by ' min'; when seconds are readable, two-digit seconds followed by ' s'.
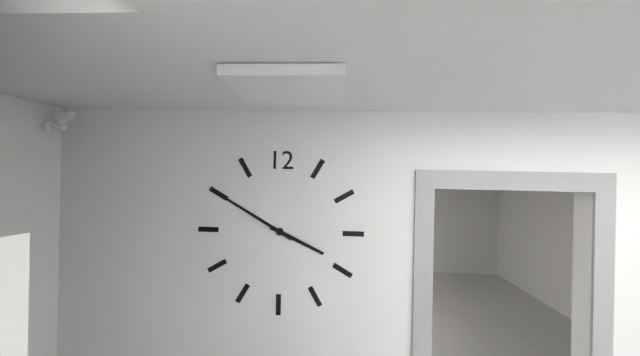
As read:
3 h 50 min
